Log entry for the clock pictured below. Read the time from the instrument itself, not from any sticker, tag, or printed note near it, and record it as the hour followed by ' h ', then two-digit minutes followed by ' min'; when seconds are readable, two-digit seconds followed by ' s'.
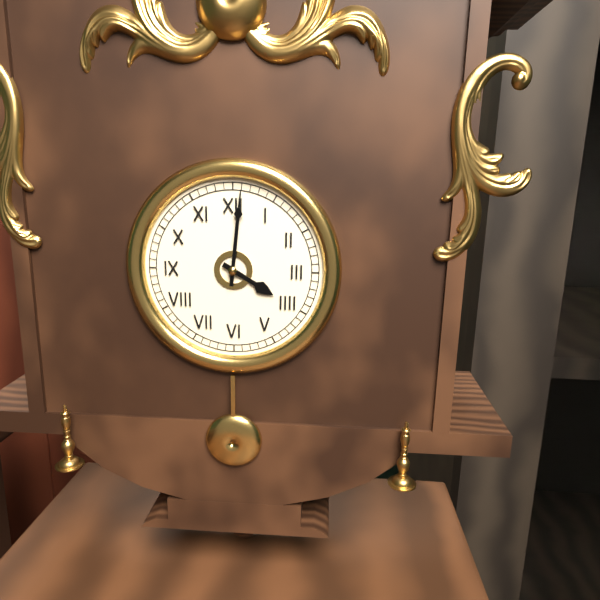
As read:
4 h 01 min
